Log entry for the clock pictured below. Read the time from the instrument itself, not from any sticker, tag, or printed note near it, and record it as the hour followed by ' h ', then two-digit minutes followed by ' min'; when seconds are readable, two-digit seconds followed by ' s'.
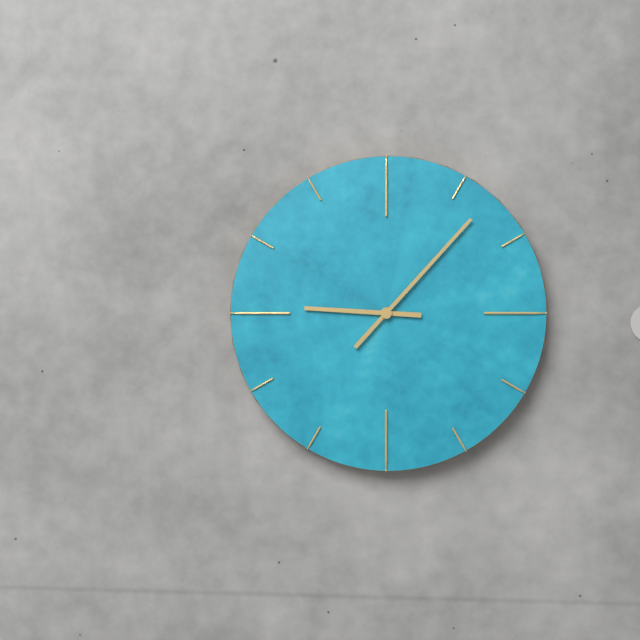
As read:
9 h 07 min
